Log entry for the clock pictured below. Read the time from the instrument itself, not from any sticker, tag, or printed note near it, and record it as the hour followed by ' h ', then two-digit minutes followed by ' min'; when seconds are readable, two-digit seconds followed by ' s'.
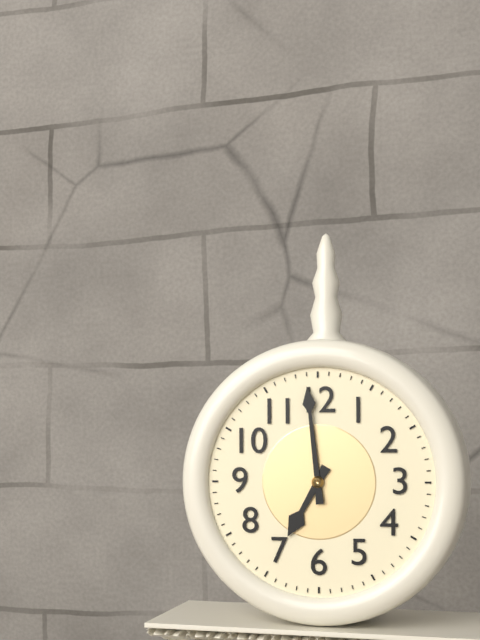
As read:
6 h 59 min
